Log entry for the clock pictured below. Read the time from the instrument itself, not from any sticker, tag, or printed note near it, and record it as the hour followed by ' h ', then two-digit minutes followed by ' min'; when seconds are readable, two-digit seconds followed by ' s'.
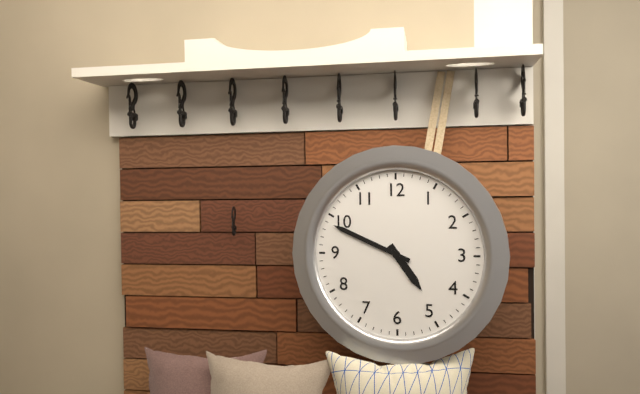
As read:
4 h 49 min
